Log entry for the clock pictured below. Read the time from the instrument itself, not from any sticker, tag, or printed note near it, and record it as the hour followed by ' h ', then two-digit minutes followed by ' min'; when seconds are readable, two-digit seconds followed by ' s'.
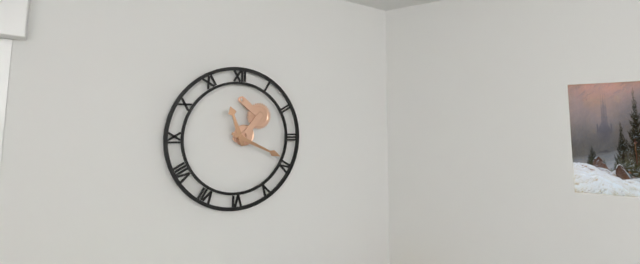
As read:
11 h 19 min
